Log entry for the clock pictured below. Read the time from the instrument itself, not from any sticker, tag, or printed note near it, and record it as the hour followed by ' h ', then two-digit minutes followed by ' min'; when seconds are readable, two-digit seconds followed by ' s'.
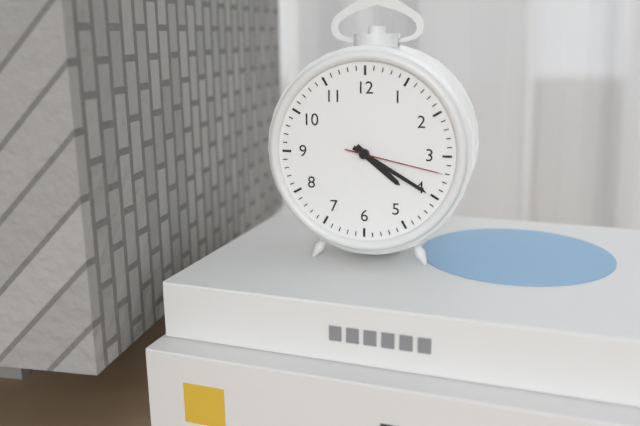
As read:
4 h 20 min 17 s
